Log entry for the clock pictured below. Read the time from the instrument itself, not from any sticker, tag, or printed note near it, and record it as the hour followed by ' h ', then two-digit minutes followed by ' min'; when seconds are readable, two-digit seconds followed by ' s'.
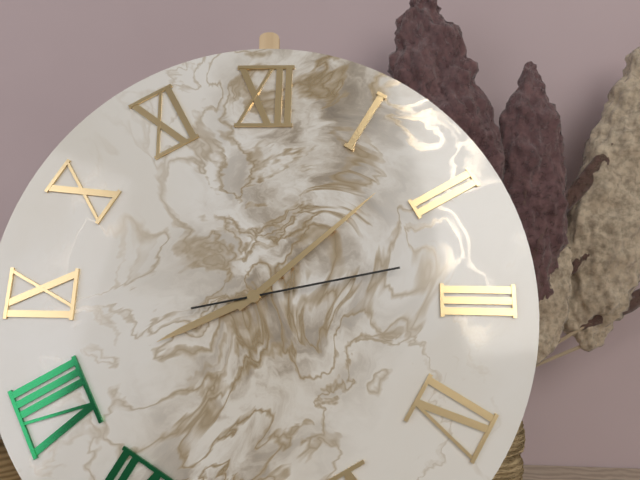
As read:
8 h 08 min 13 s
